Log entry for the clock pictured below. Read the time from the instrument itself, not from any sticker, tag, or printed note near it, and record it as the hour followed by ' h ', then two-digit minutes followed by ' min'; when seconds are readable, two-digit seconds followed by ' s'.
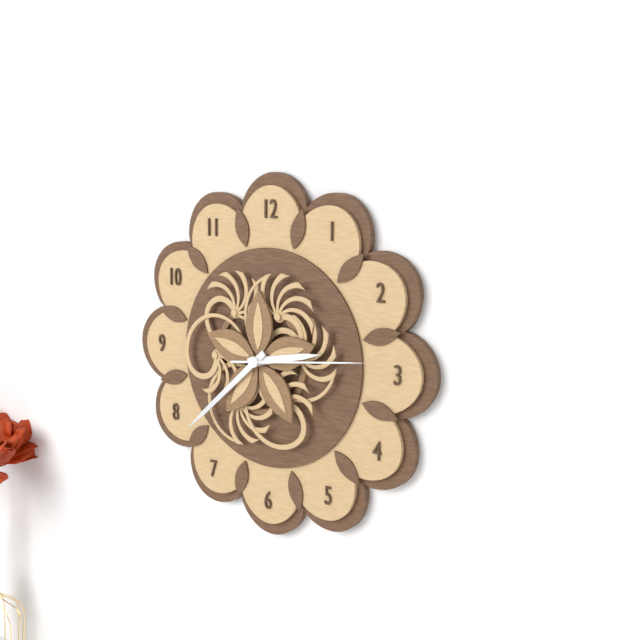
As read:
2 h 38 min 14 s
